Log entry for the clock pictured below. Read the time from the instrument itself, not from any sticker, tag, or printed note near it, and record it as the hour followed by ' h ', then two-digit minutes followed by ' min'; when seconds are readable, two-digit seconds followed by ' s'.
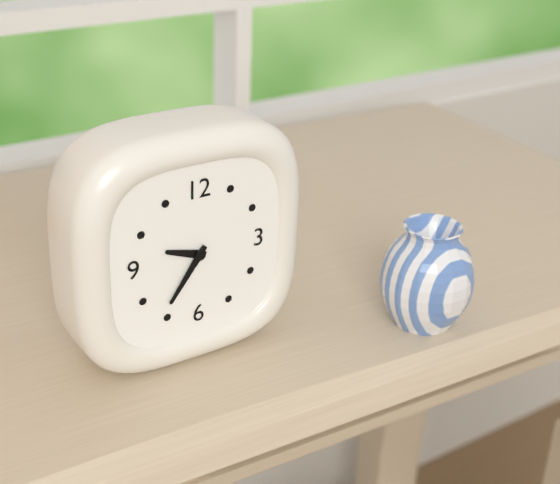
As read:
9 h 36 min
